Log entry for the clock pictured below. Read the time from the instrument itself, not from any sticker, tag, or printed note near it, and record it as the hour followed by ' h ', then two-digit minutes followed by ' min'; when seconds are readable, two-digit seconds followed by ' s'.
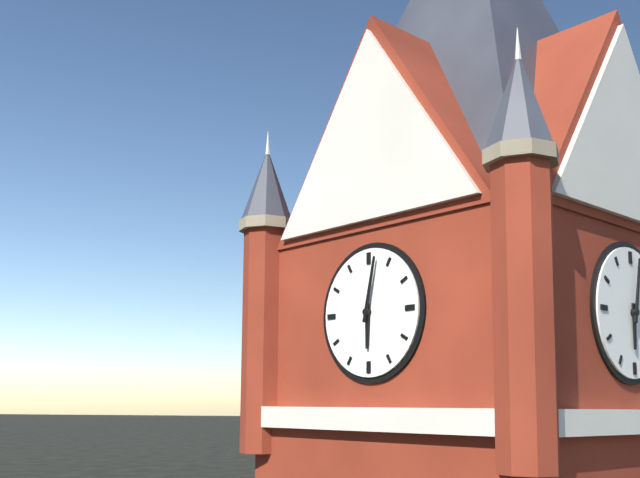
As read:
6 h 02 min
